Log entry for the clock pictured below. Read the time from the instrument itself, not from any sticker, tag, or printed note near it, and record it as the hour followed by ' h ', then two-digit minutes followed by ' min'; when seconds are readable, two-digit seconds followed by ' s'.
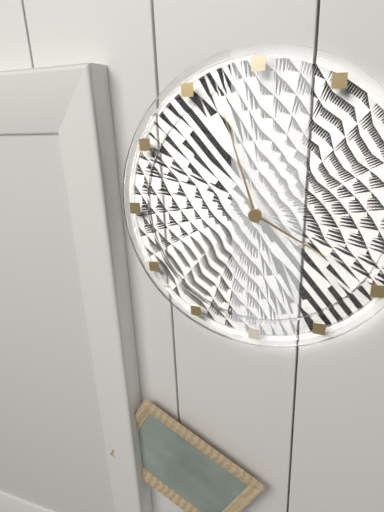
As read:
3 h 57 min
